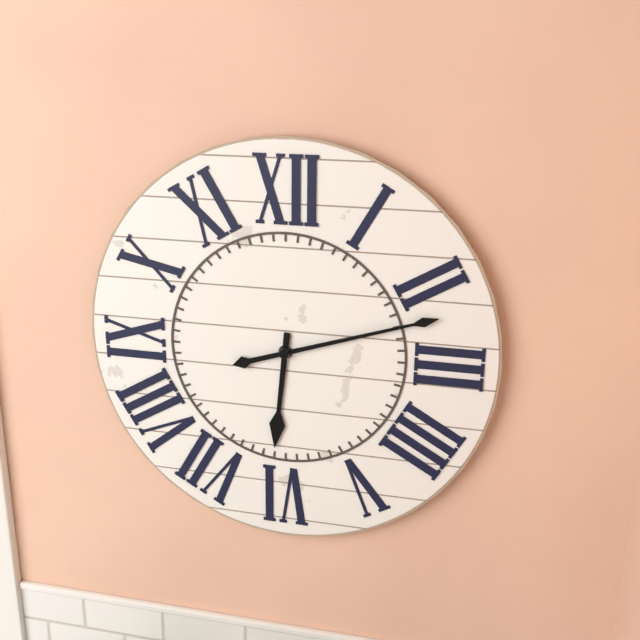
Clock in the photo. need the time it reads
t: 6:12
